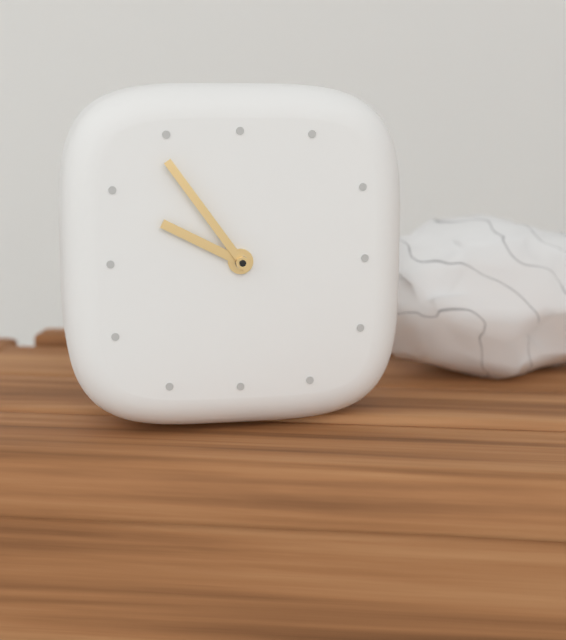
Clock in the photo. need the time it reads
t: 9:54
